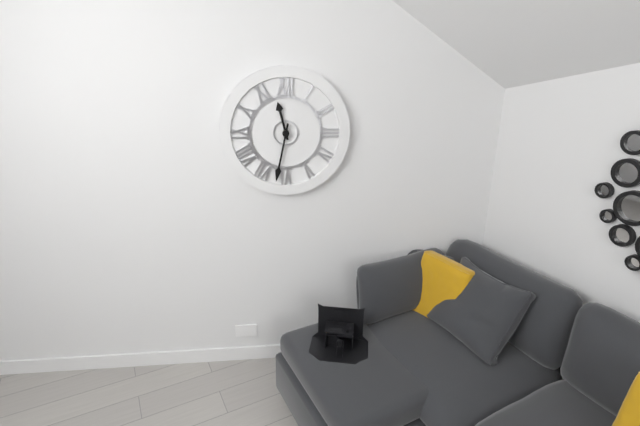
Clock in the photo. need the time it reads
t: 11:32
